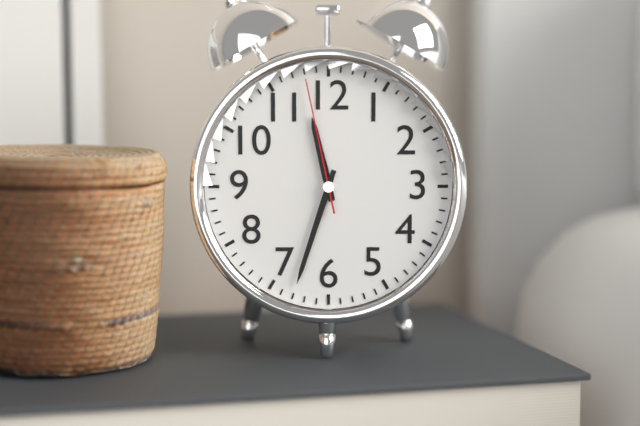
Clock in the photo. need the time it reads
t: 11:33:58
